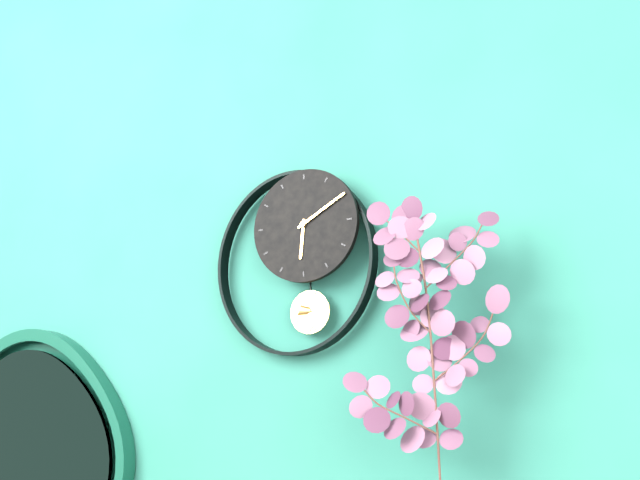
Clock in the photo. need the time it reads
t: 6:10
